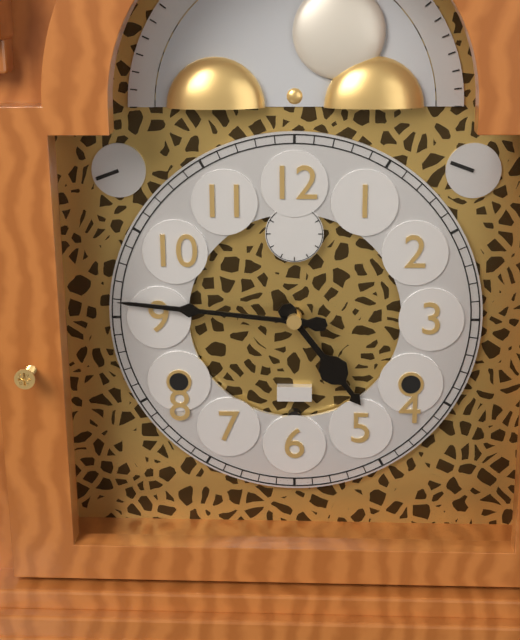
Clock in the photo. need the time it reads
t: 4:46
